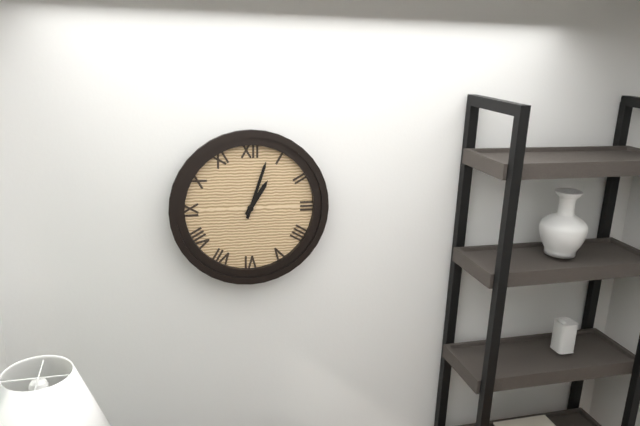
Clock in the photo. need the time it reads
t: 1:03
